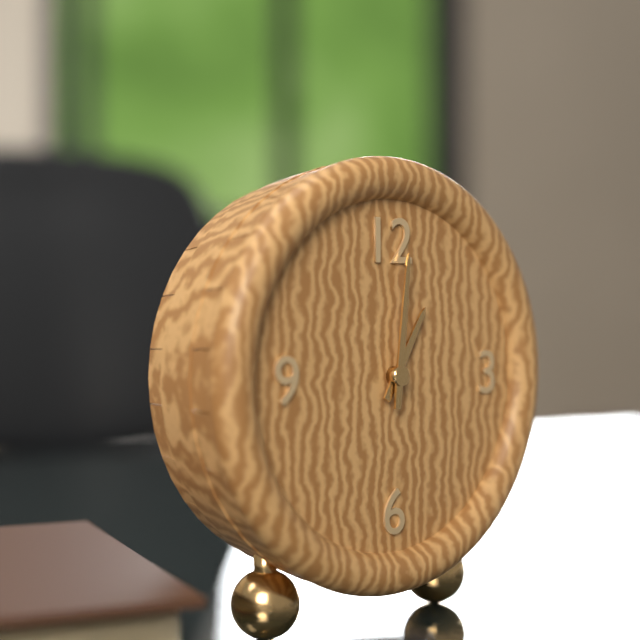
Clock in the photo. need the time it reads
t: 1:01
